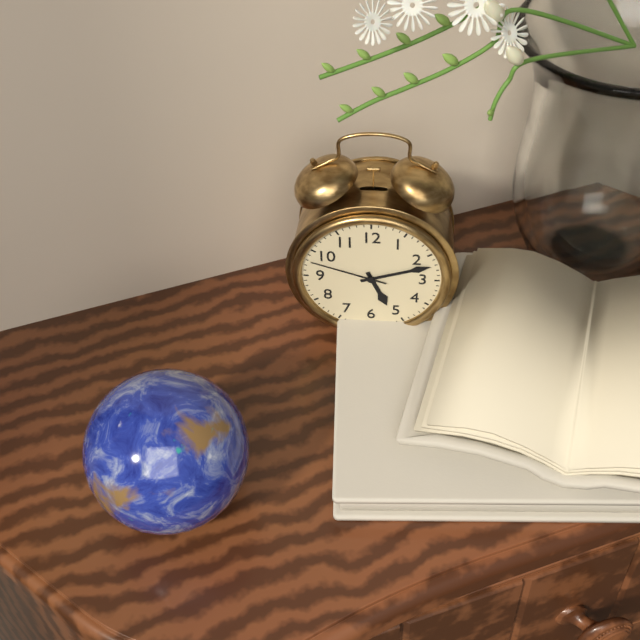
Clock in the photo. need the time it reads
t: 5:12:48
